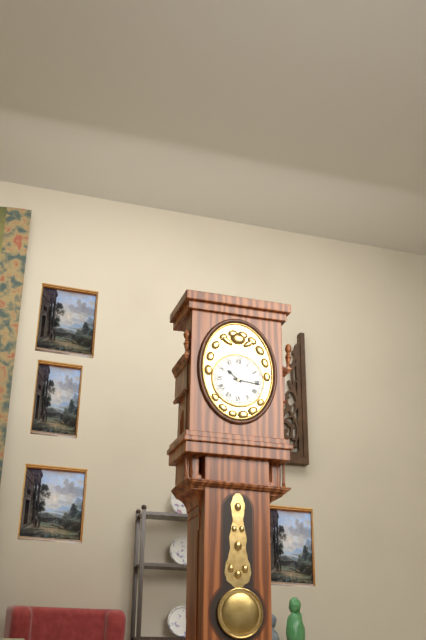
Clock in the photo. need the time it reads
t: 10:16
